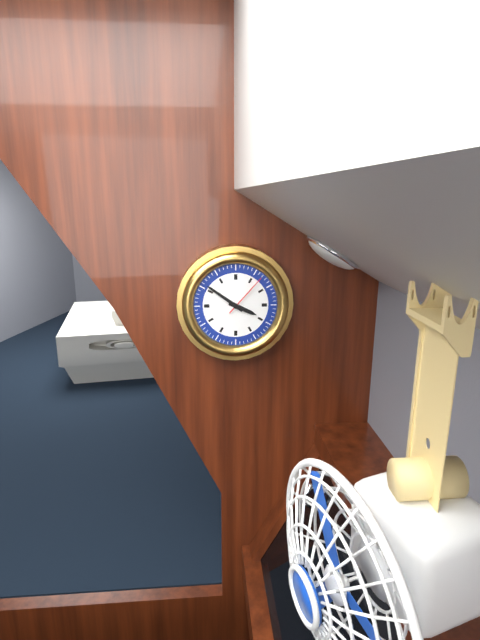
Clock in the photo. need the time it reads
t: 3:51
